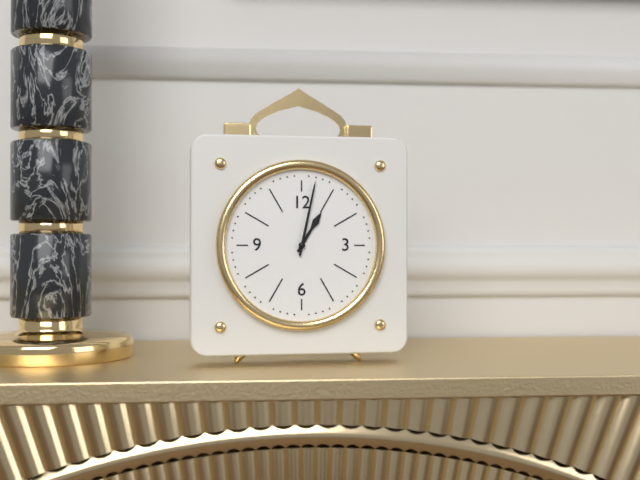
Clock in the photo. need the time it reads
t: 1:02
